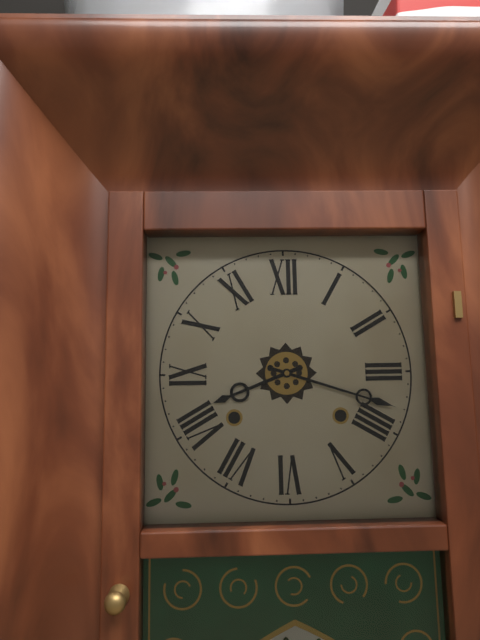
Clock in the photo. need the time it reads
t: 8:18
